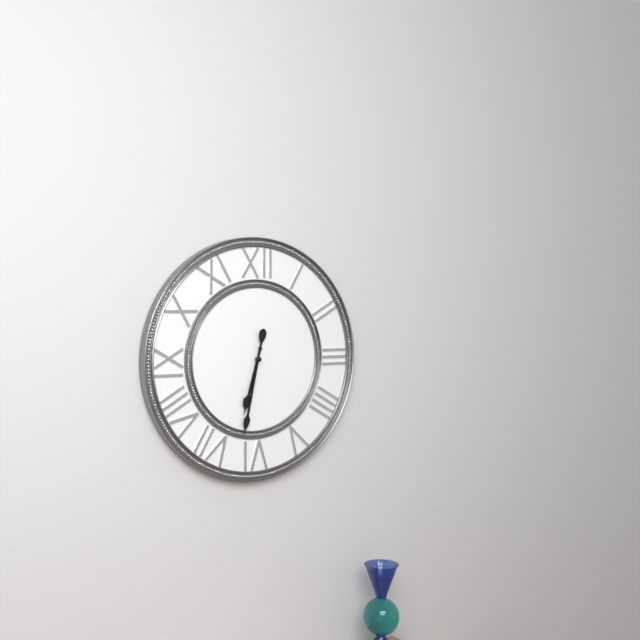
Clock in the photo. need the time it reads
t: 6:32
